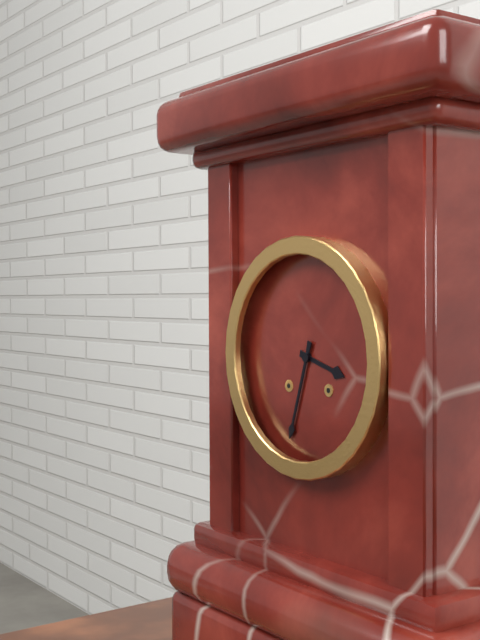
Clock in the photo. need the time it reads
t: 3:33
